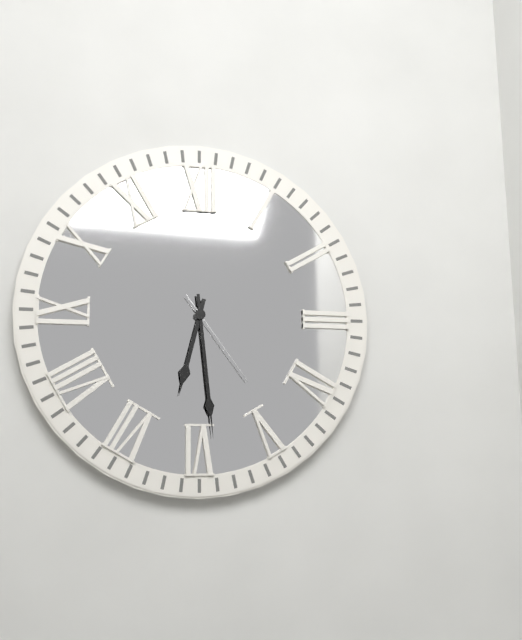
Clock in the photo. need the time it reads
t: 6:29:24
